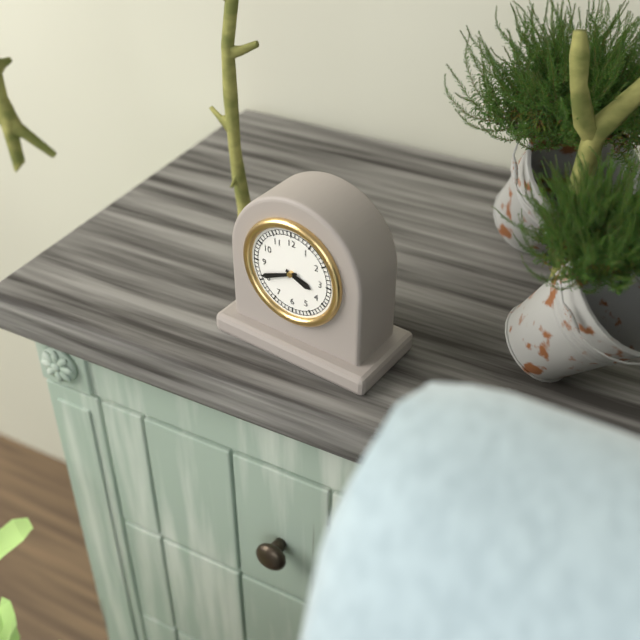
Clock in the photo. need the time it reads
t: 3:41
